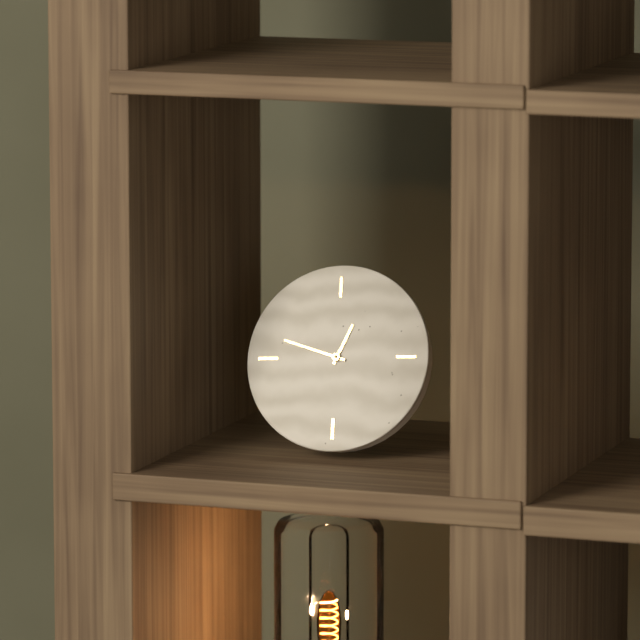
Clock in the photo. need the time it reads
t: 12:48
